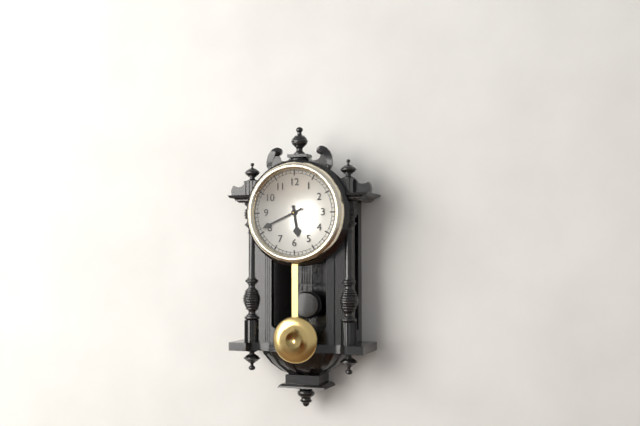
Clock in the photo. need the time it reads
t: 5:41
